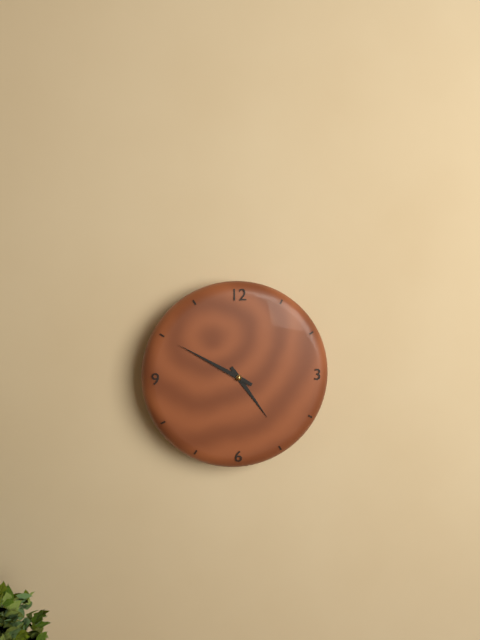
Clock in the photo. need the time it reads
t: 4:50
